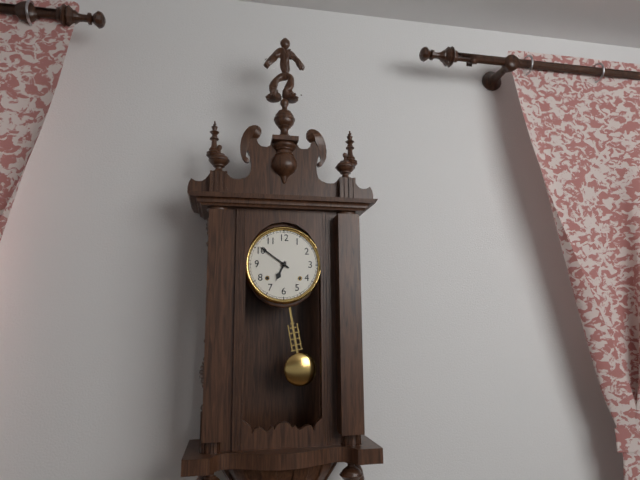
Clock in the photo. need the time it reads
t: 6:51
